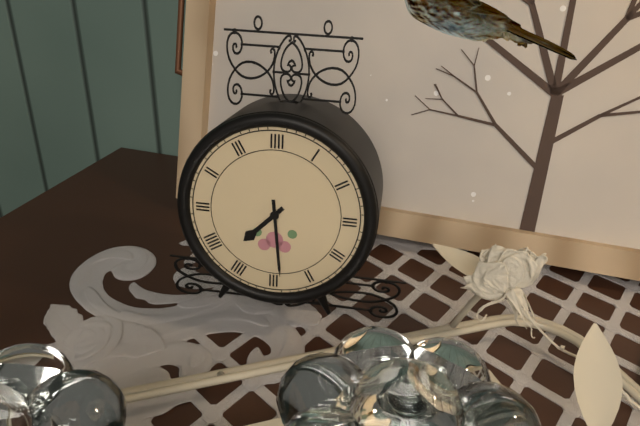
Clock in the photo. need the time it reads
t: 7:29
